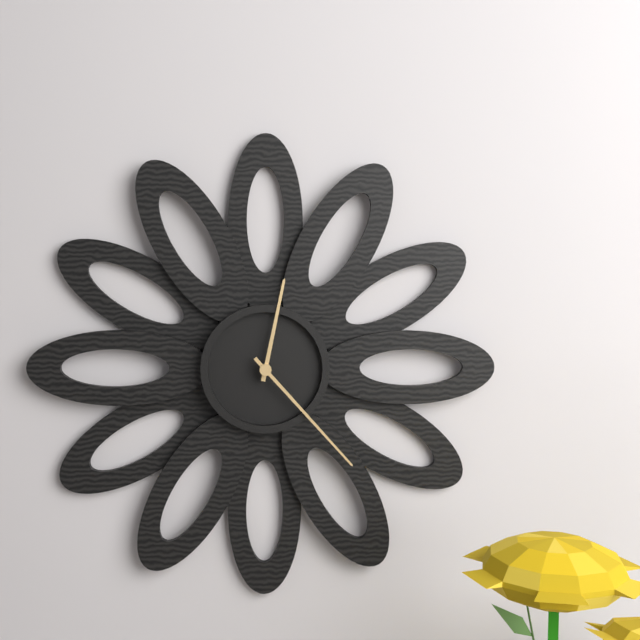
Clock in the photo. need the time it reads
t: 12:23
